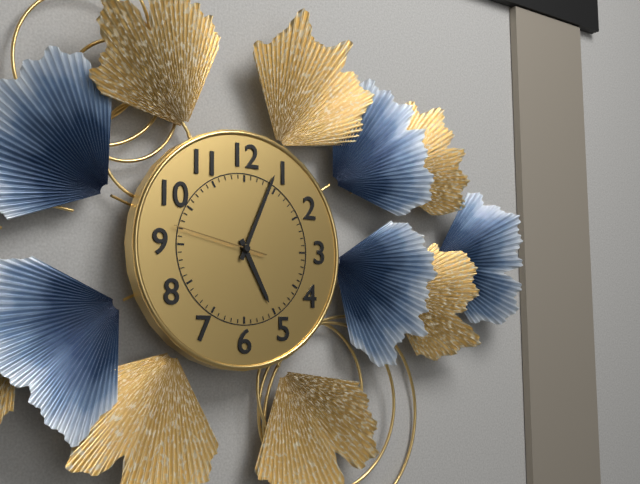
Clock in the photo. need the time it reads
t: 5:04:47
